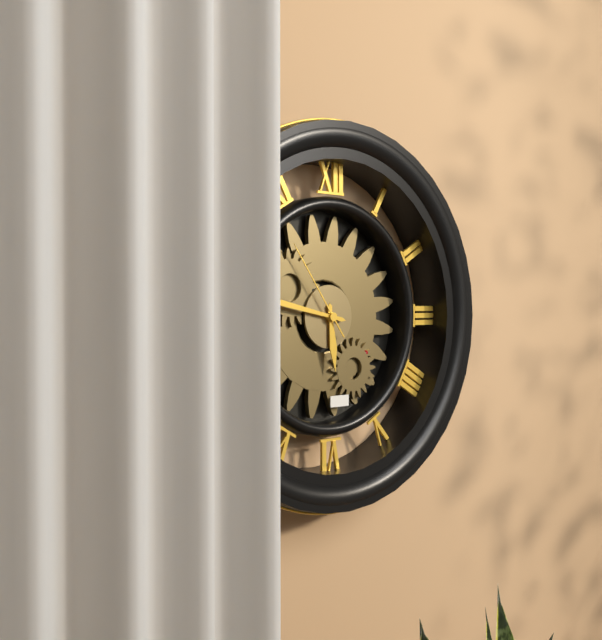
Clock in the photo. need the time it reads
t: 5:47:54
